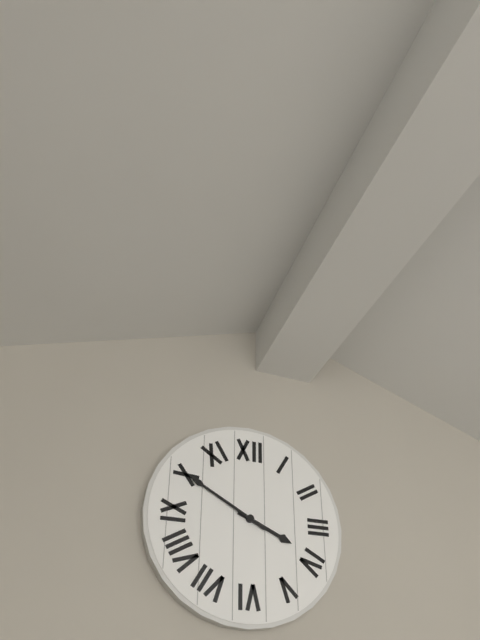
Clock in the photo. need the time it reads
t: 3:50
